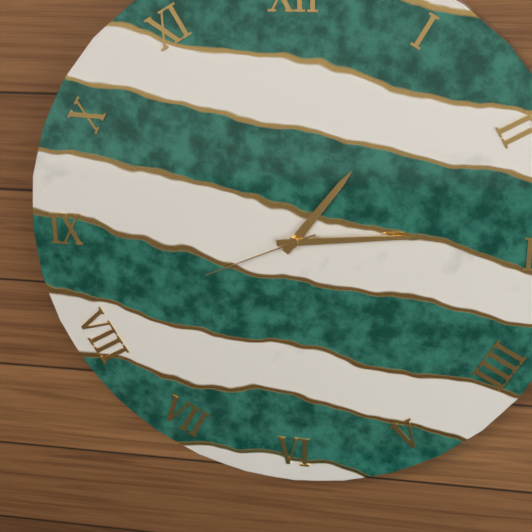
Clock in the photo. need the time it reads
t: 1:14:41
